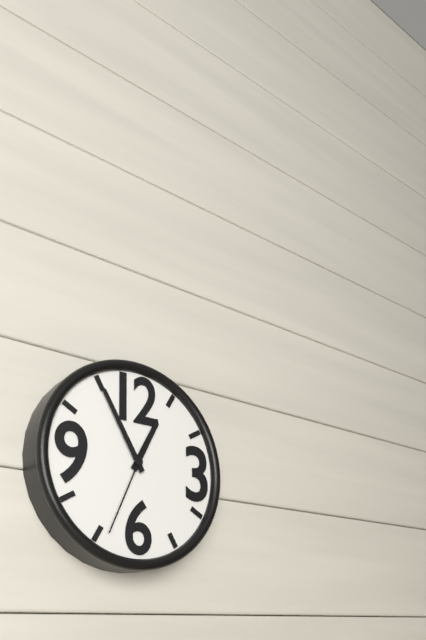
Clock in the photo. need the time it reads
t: 12:55:34
